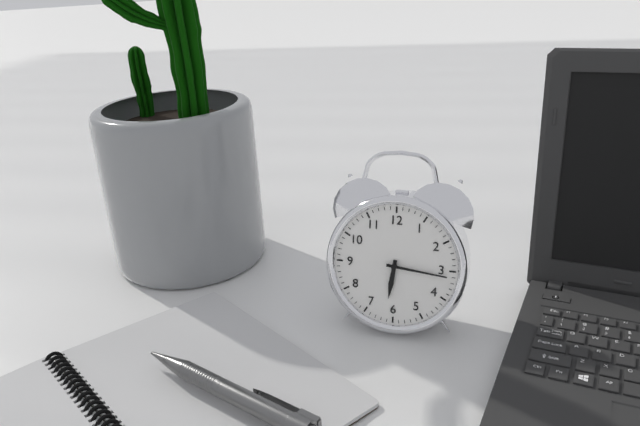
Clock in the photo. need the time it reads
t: 6:16
